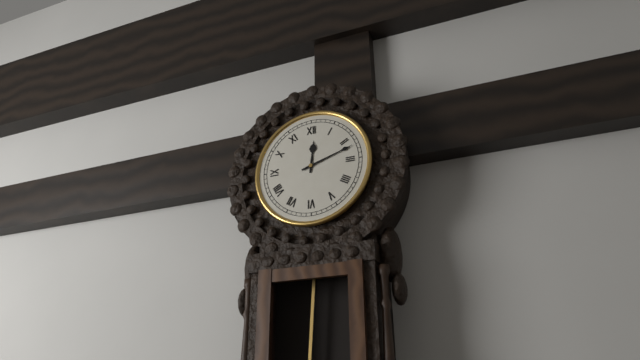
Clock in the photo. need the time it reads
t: 12:12
